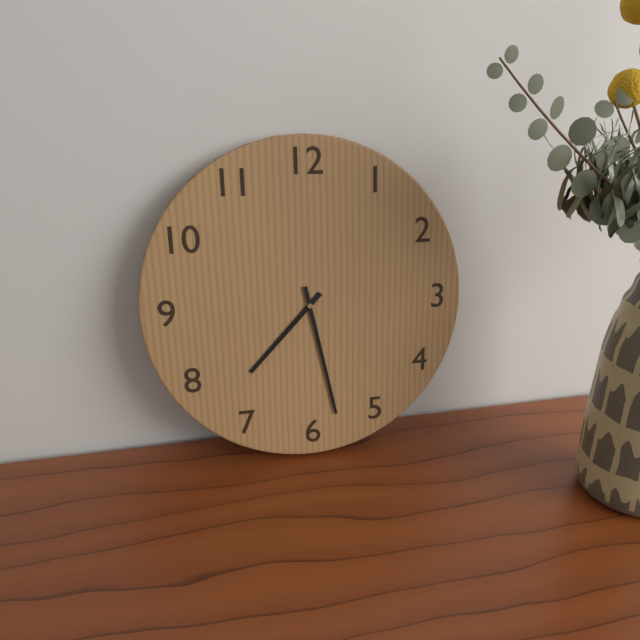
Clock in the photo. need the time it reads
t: 7:28
